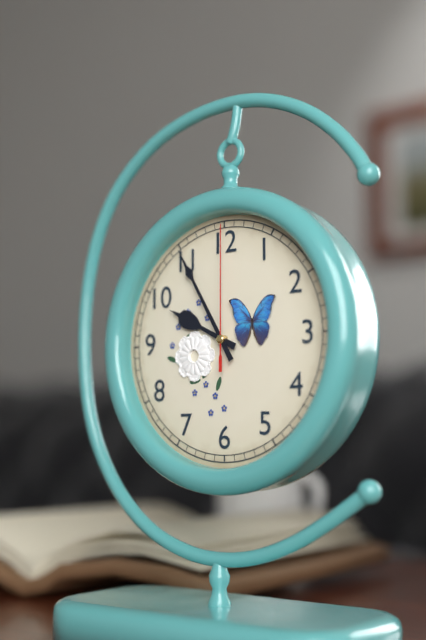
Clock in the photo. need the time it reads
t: 9:55:00
